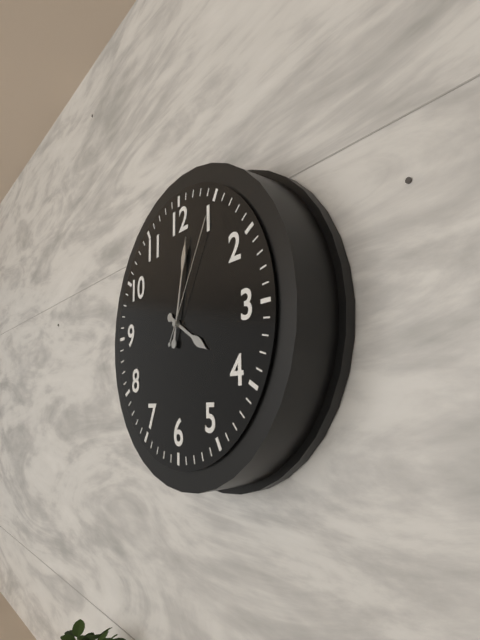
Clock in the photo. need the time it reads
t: 4:02:05
